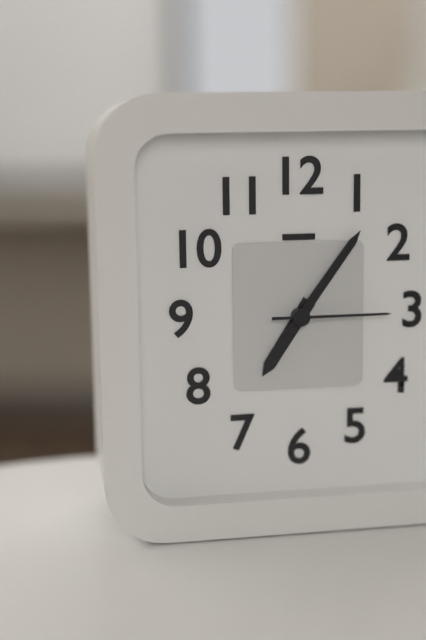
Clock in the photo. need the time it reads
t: 7:06:15
